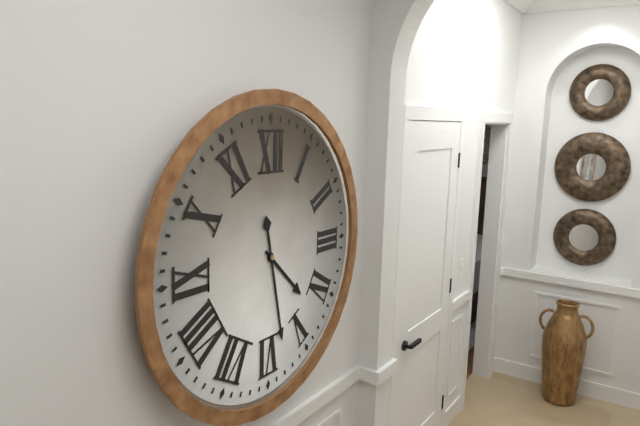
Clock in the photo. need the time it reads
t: 4:28
